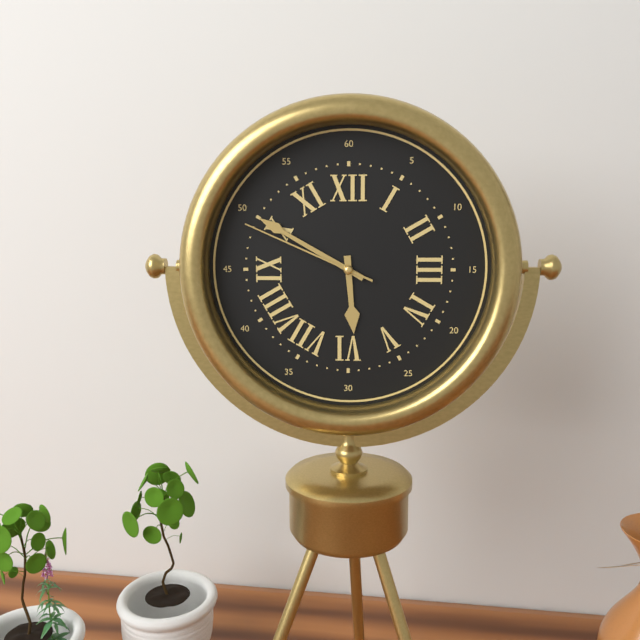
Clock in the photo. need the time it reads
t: 5:50:49
